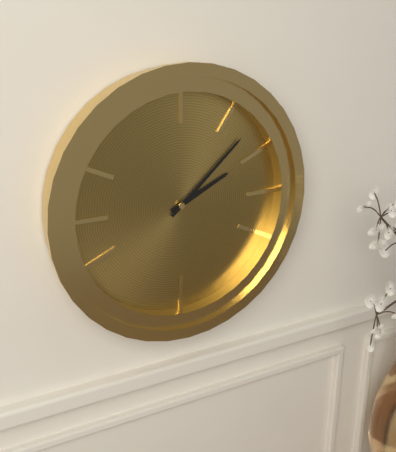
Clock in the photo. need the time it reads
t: 2:08
